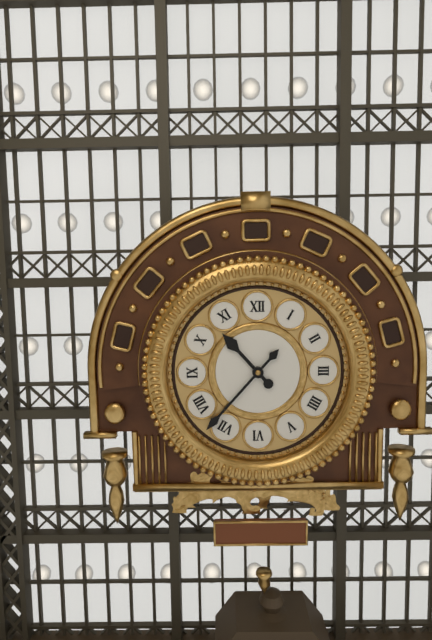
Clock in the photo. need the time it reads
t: 10:37
